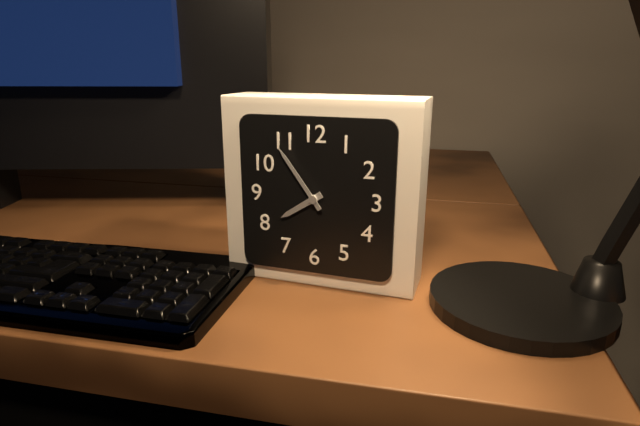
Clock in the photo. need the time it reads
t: 7:54
